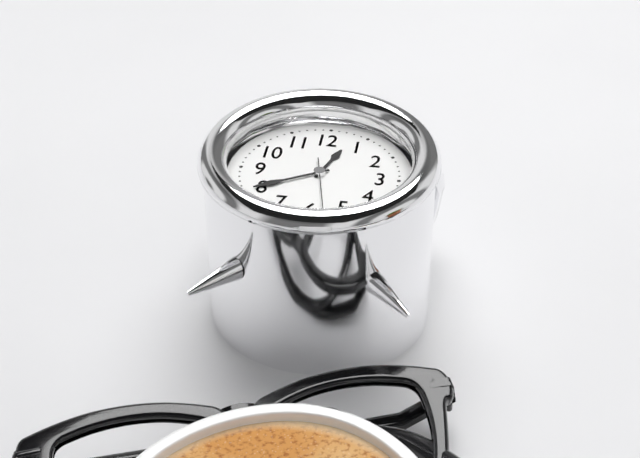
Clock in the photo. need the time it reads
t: 12:40:28
